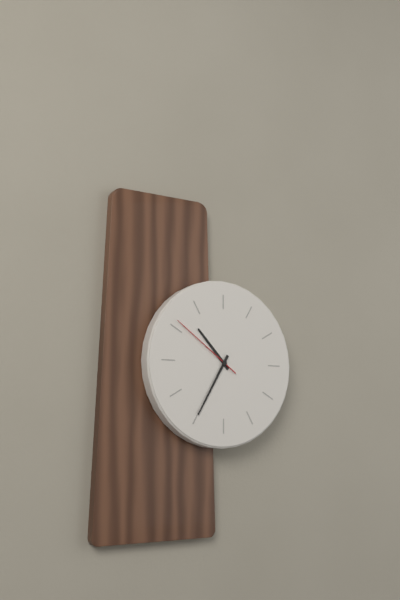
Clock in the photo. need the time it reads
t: 10:35:51
